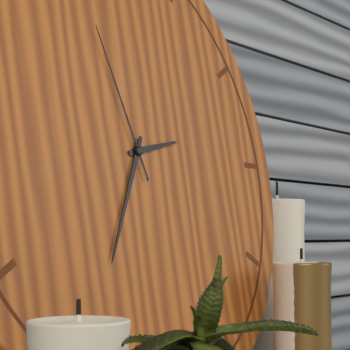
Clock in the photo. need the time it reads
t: 2:35:57
